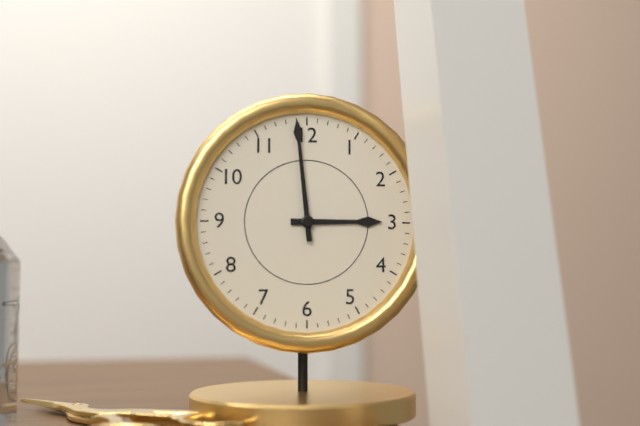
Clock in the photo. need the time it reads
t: 2:59
